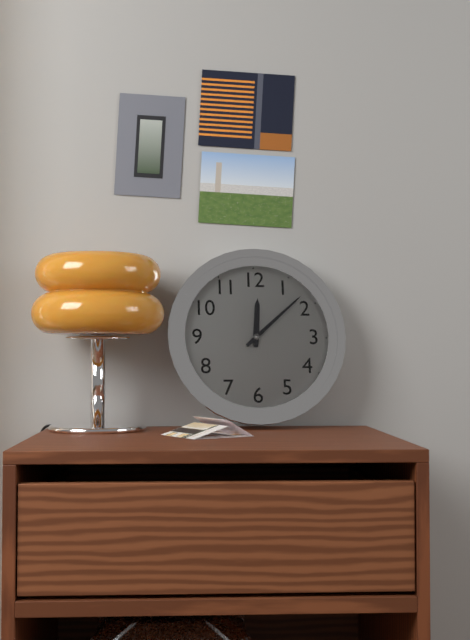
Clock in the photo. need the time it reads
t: 12:08
